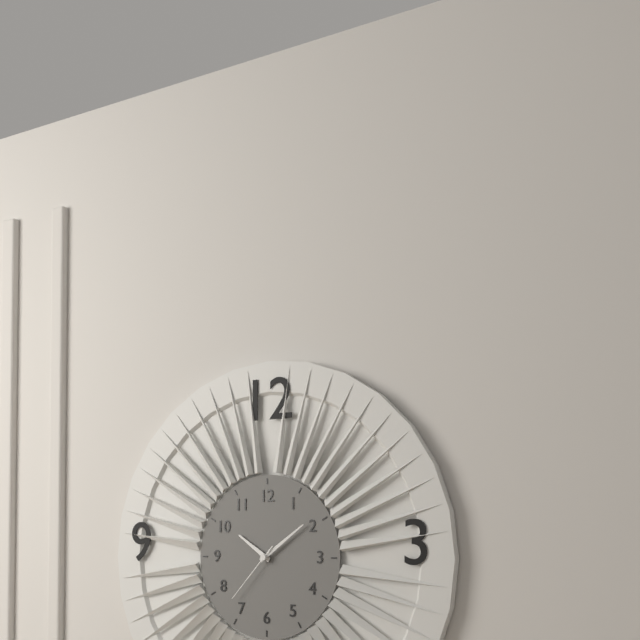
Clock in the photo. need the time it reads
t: 10:09:37
